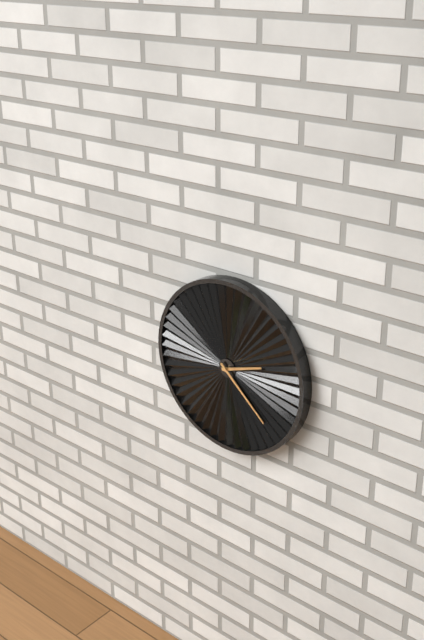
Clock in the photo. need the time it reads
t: 2:22
